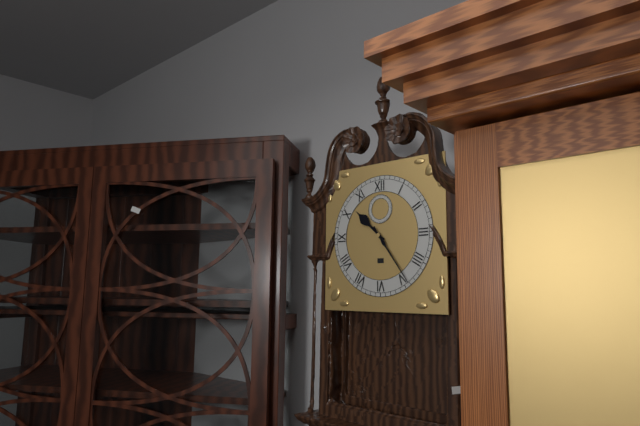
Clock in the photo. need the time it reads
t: 10:24
